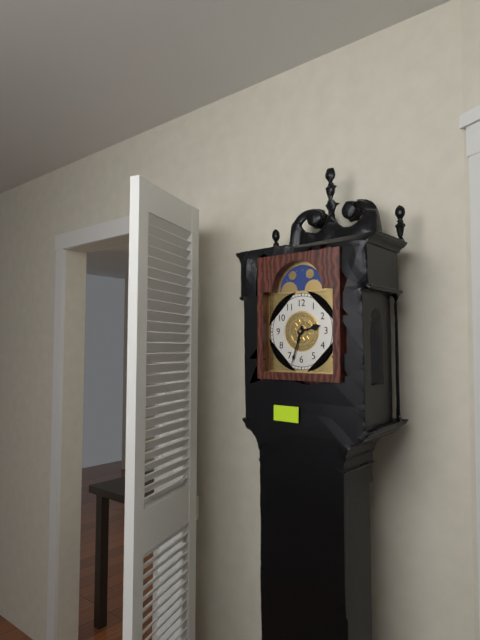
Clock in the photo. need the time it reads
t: 2:33
